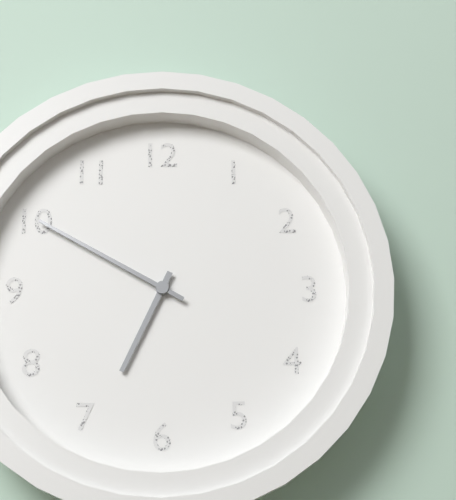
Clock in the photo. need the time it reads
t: 6:50
